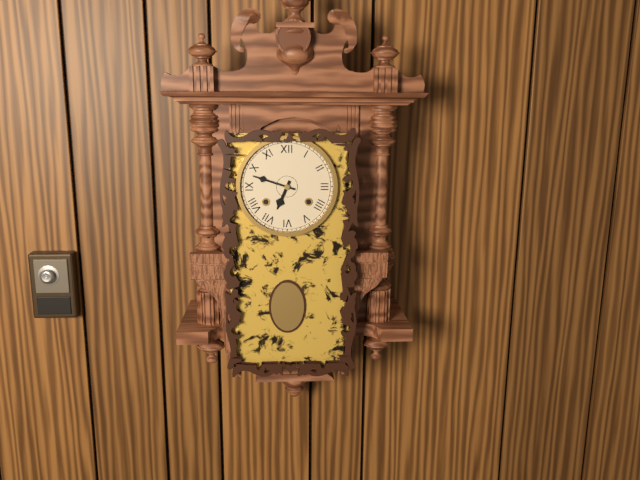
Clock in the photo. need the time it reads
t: 6:48
